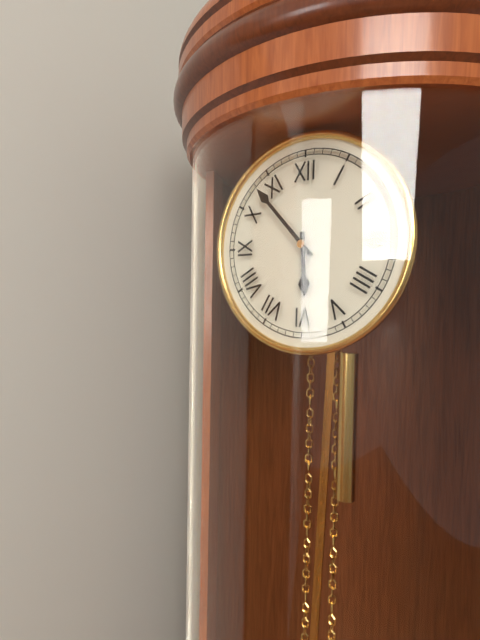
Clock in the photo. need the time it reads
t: 5:53
